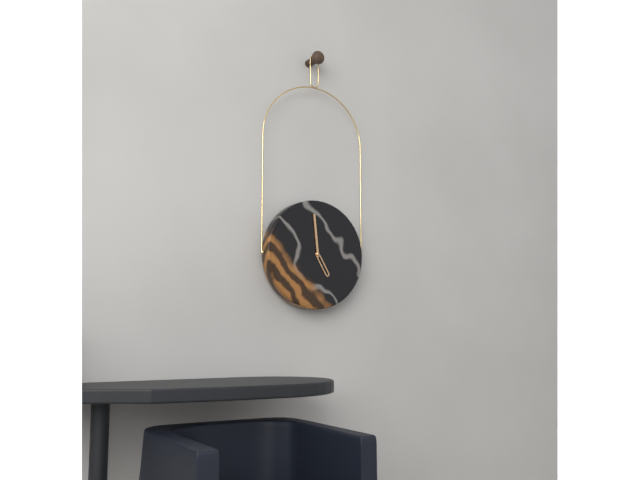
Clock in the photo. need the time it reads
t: 4:59
